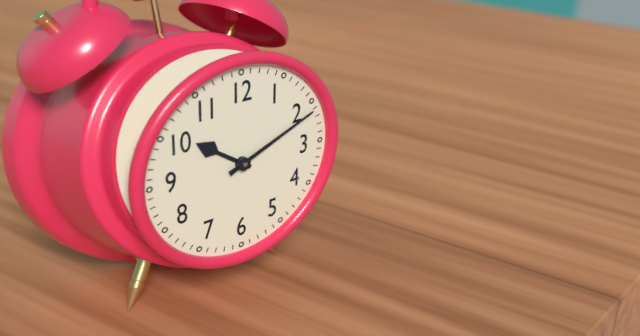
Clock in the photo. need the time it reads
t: 10:11
